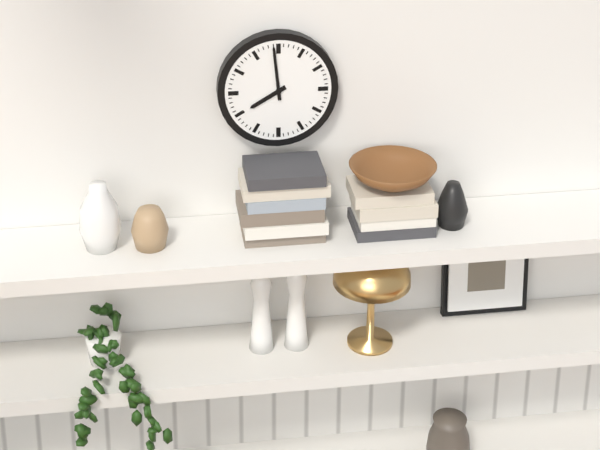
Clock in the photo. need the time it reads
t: 7:59
